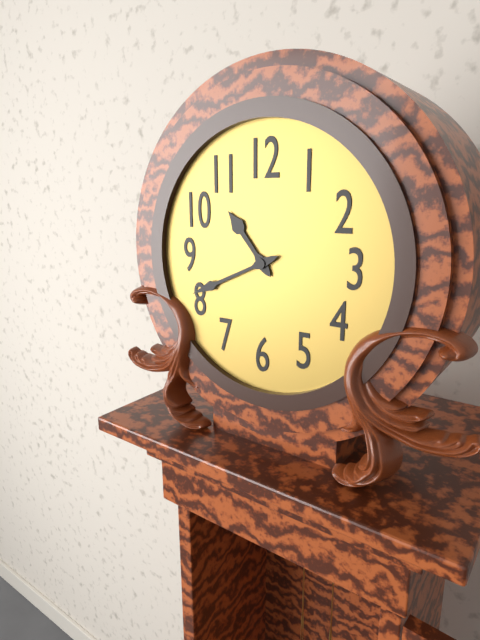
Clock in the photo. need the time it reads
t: 10:41
